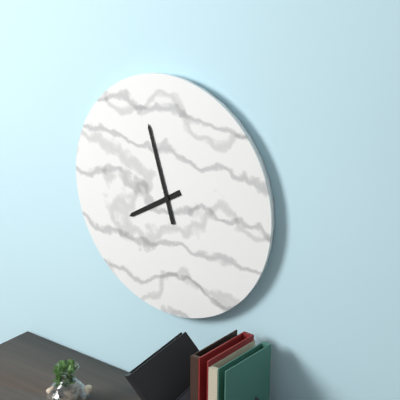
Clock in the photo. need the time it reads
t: 7:57
